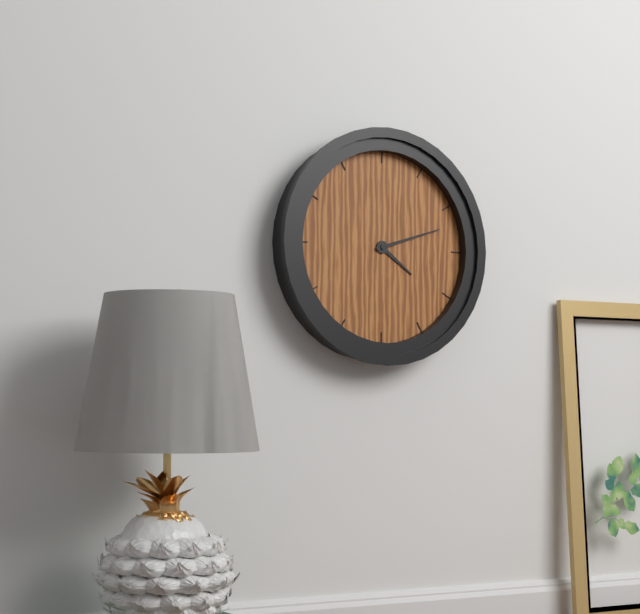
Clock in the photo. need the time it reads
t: 4:12
